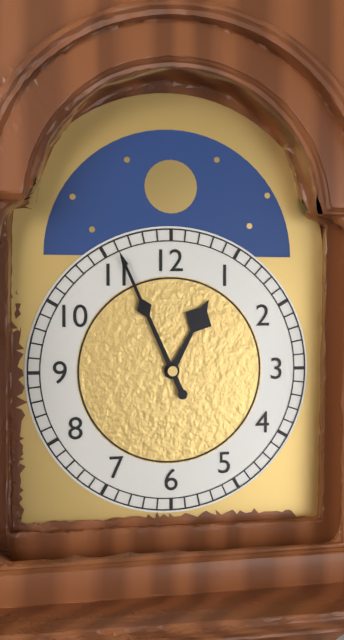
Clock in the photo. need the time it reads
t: 12:56
